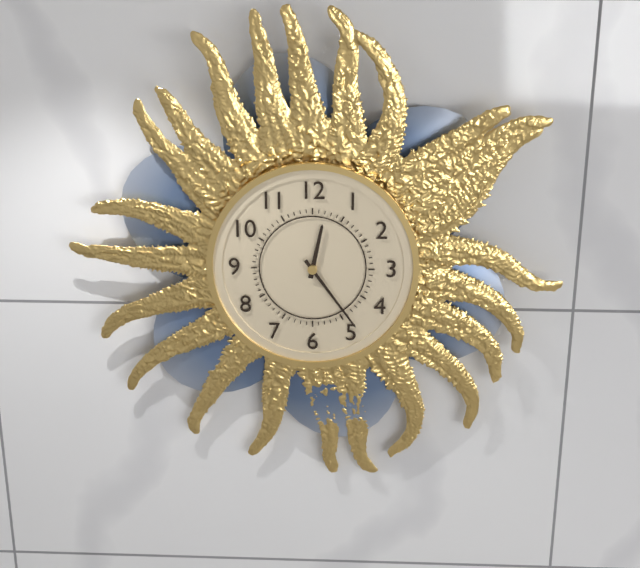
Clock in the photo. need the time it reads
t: 12:24
